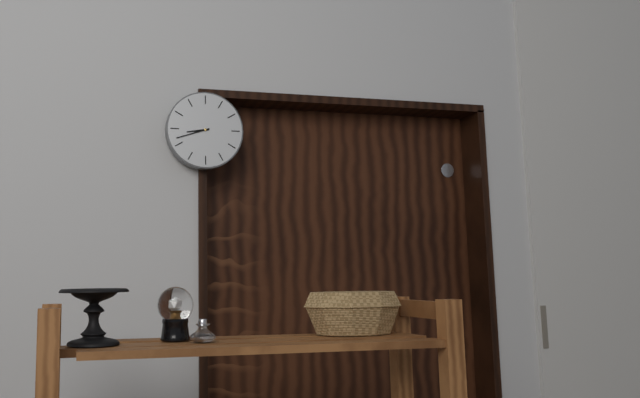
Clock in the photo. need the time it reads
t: 8:42
